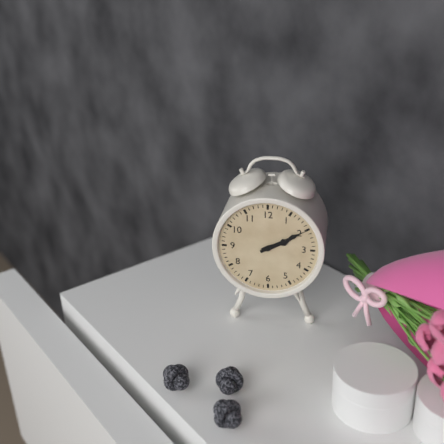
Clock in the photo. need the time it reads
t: 2:10
